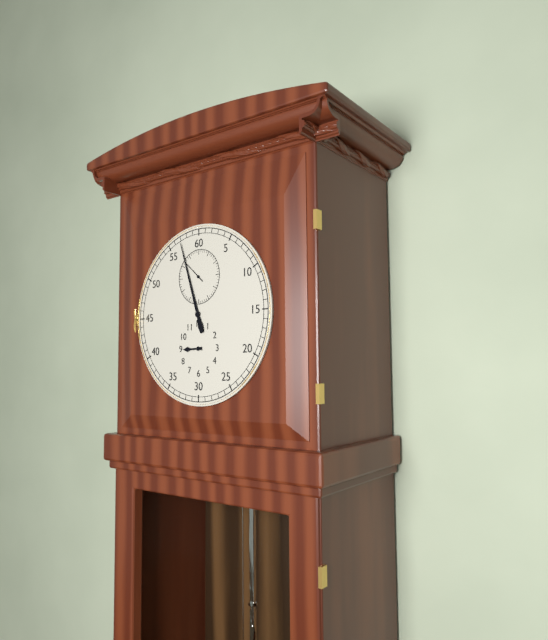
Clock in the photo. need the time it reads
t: 8:57
